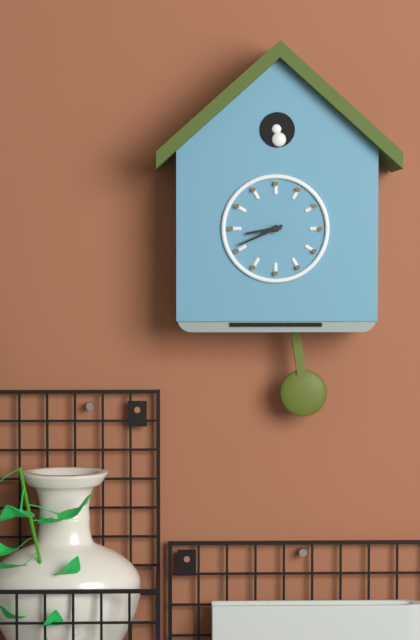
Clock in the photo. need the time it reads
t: 8:41
